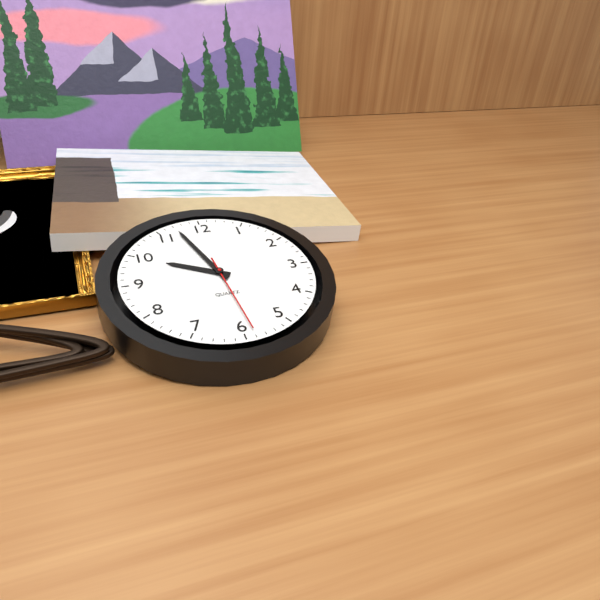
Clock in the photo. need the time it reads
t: 9:57:29
